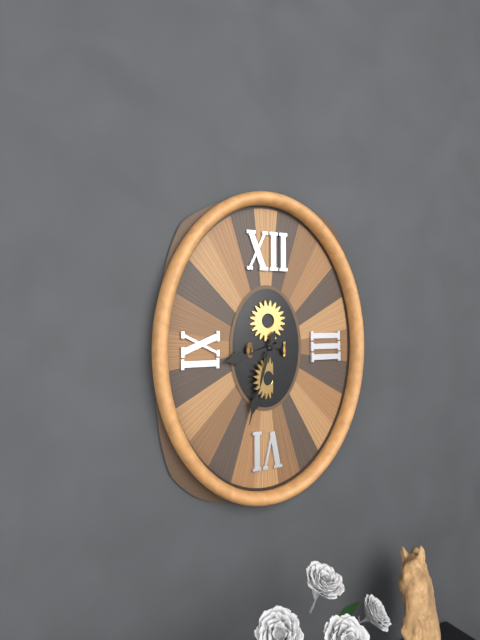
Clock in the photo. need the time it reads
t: 8:33
